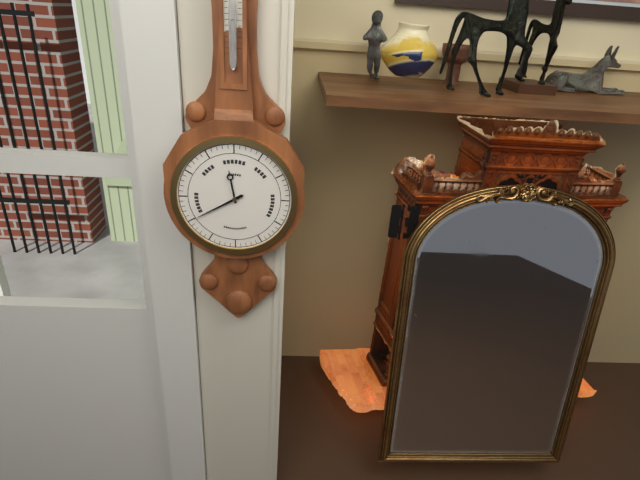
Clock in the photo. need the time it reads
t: 11:40
